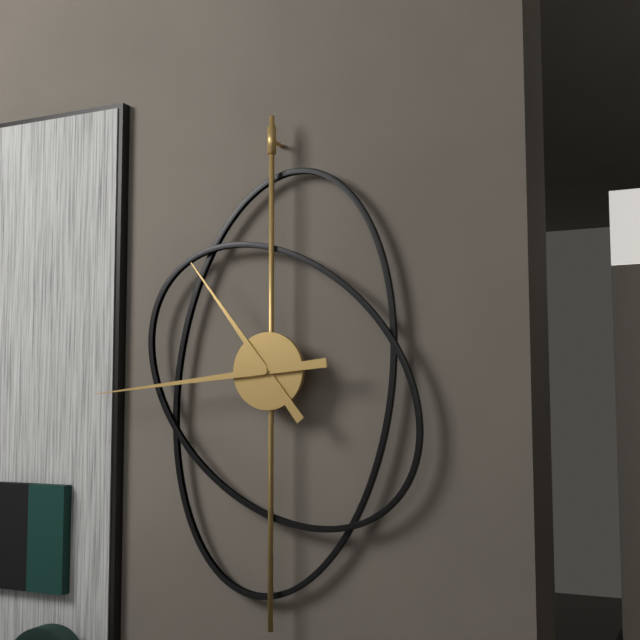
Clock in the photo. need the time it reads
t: 10:44
